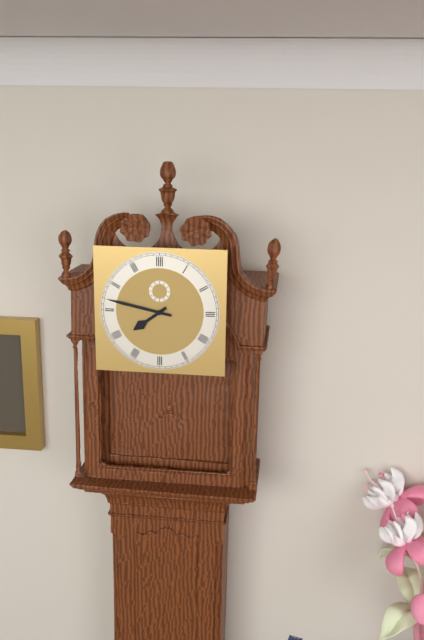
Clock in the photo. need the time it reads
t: 7:47
